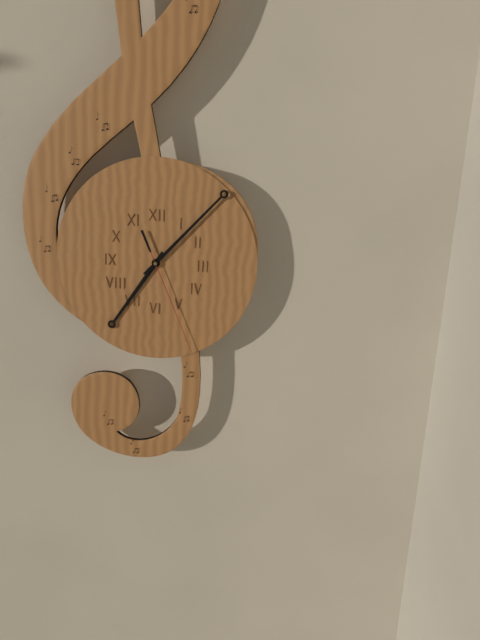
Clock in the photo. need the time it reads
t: 7:07:26
